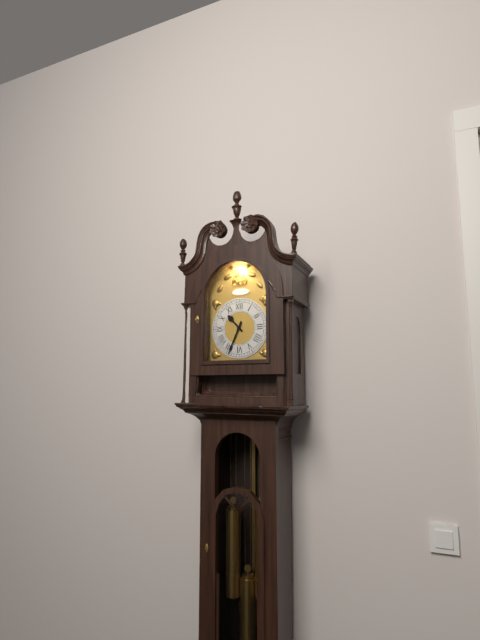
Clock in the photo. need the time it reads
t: 10:34
